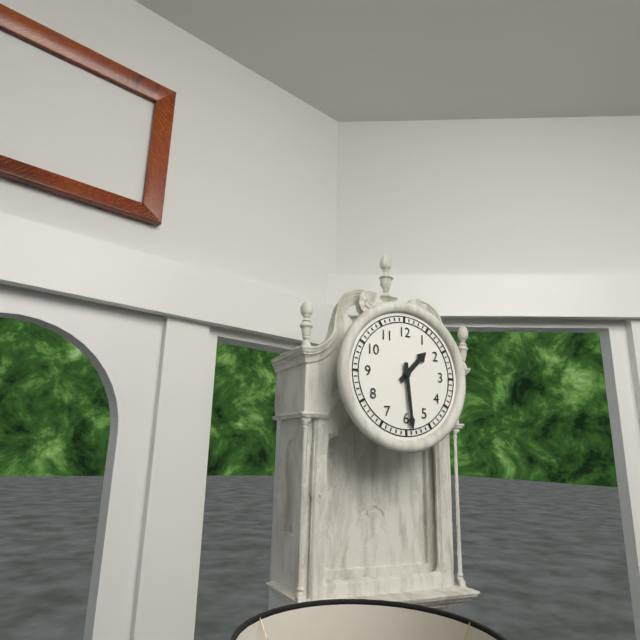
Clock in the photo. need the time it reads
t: 1:29
